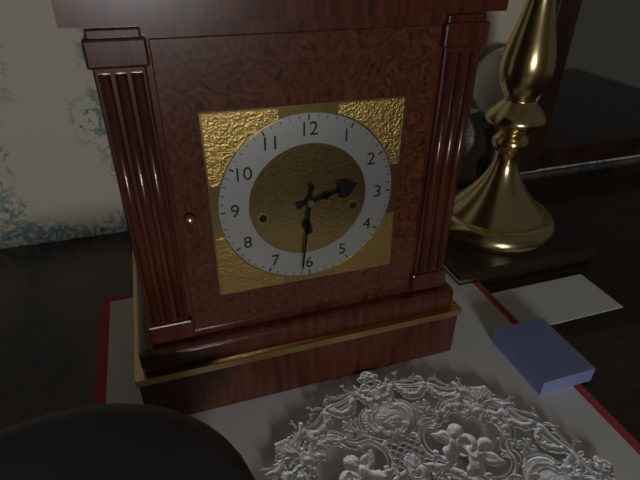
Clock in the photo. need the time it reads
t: 2:31
